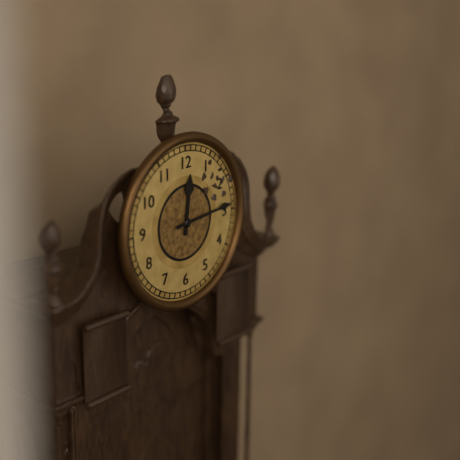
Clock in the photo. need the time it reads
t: 12:14
